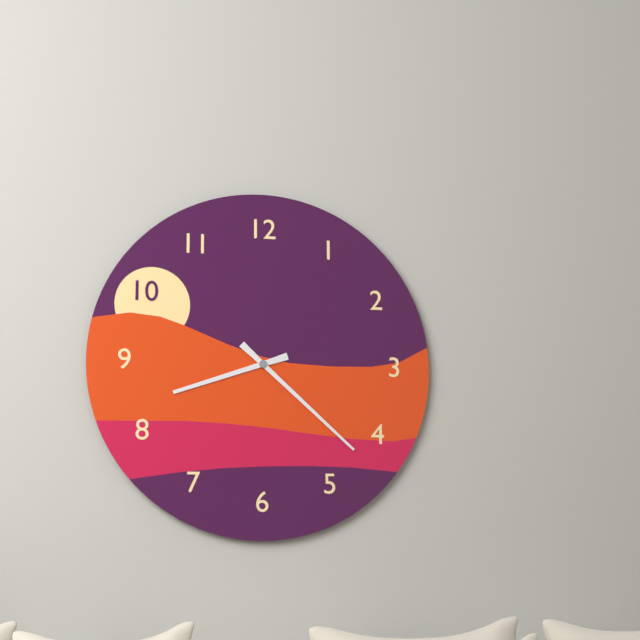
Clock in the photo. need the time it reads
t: 8:22
